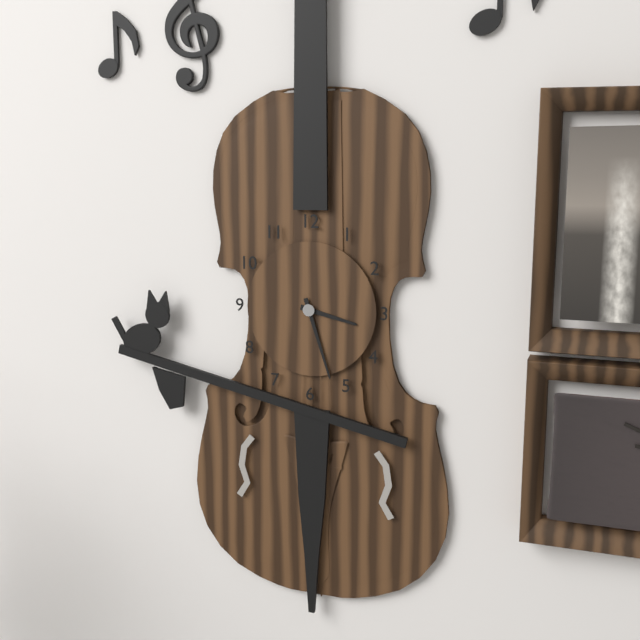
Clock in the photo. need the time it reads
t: 3:27
